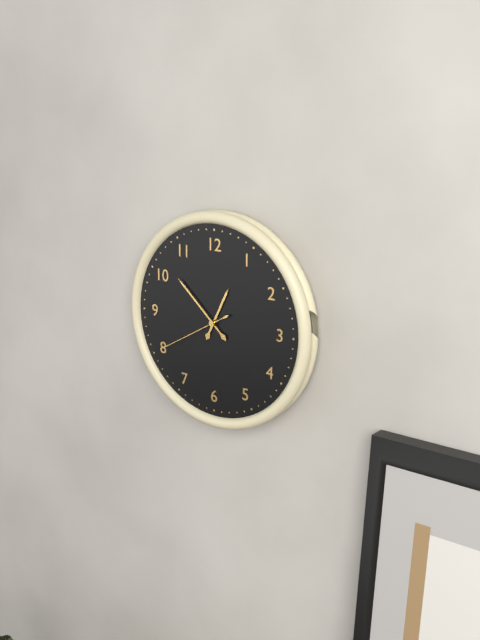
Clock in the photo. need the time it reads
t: 12:52:40
